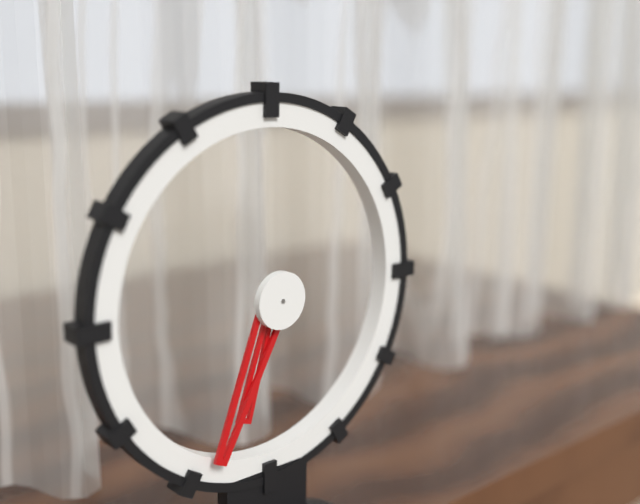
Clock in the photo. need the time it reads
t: 6:34
